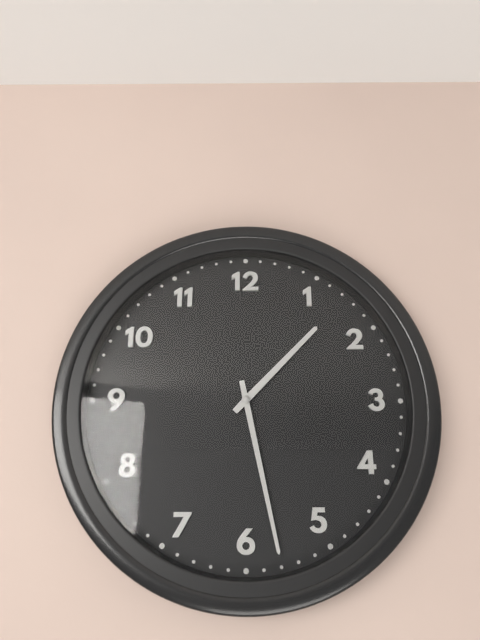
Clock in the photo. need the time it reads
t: 1:28
